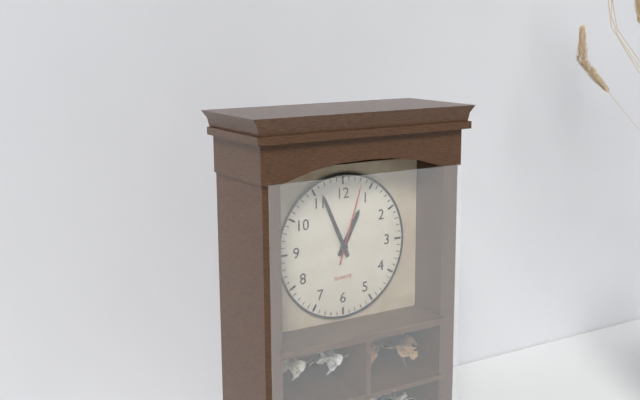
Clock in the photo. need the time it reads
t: 12:56:03
